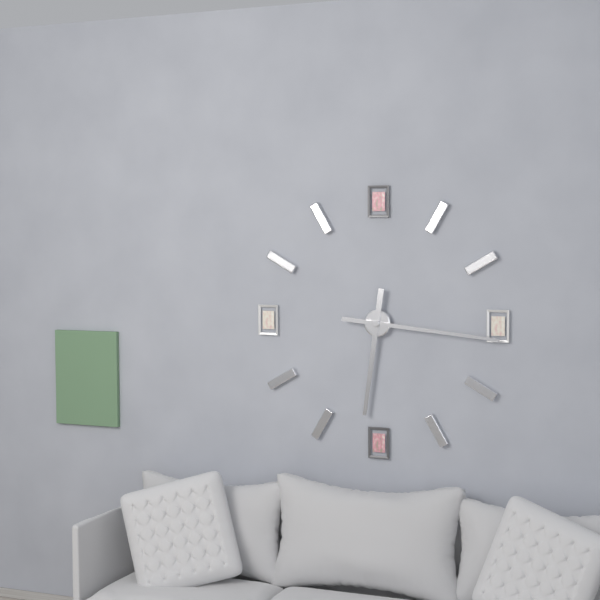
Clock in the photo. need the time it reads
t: 6:16
